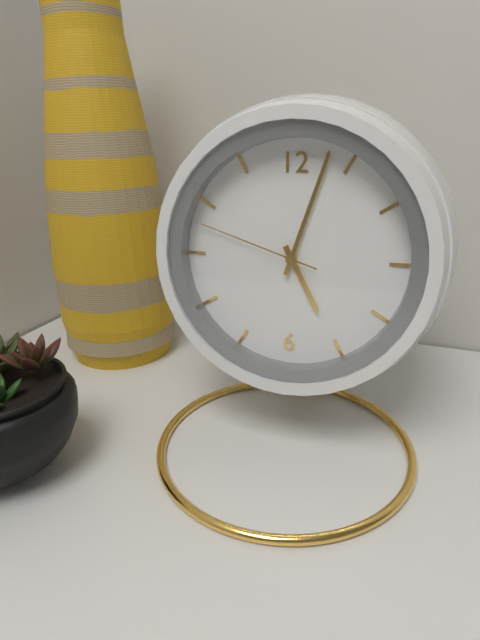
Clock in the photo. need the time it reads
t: 5:03:48
